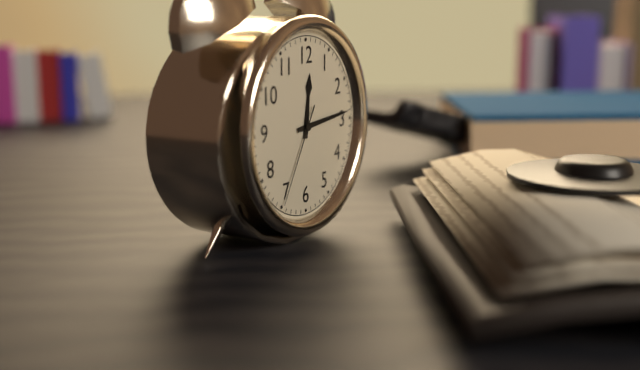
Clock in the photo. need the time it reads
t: 12:14:35
